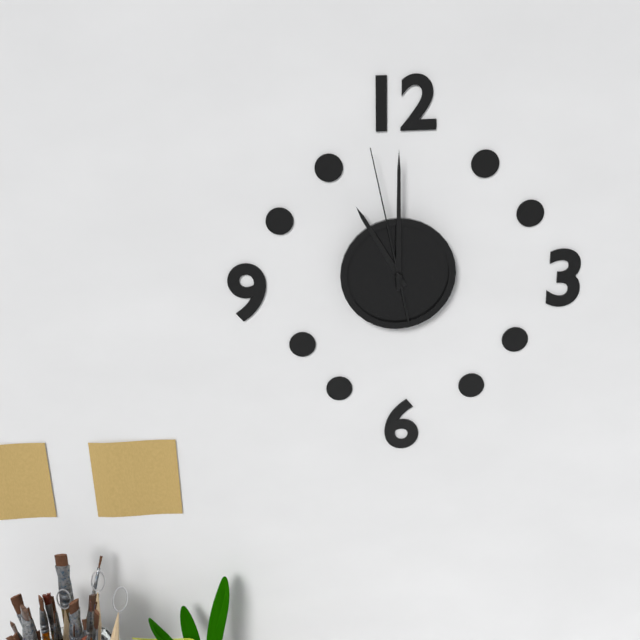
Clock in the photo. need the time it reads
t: 11:00:58
